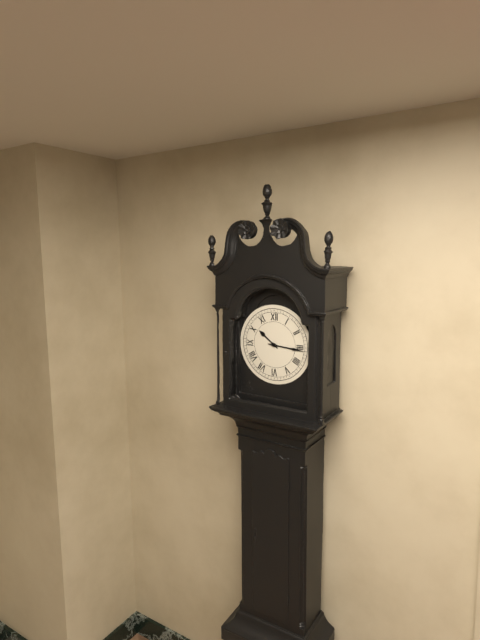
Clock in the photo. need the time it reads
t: 10:16
